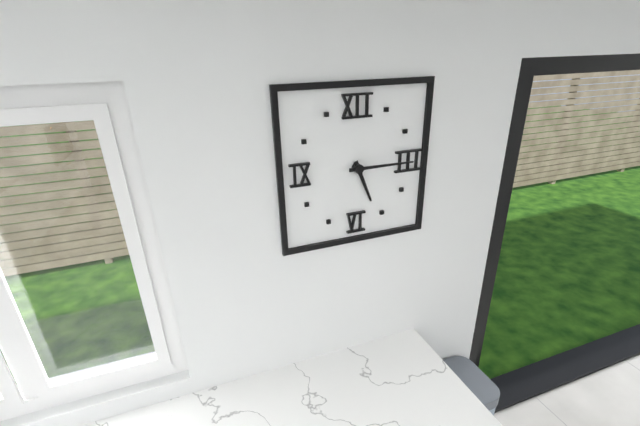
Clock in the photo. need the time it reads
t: 5:15
